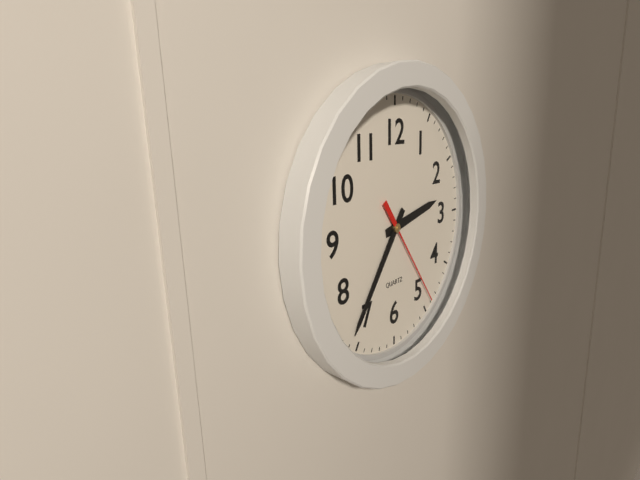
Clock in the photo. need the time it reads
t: 2:36:24
